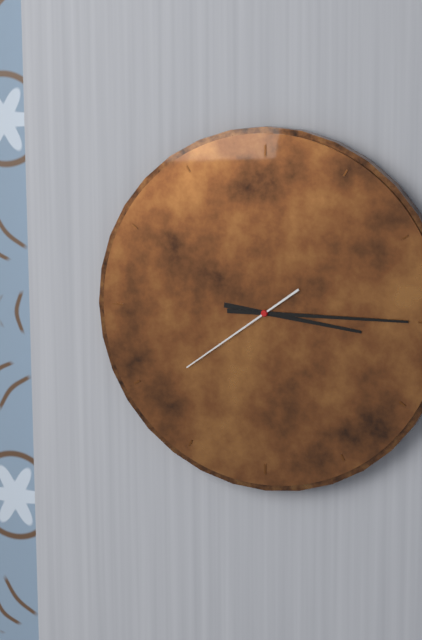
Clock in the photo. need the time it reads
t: 3:15:39
